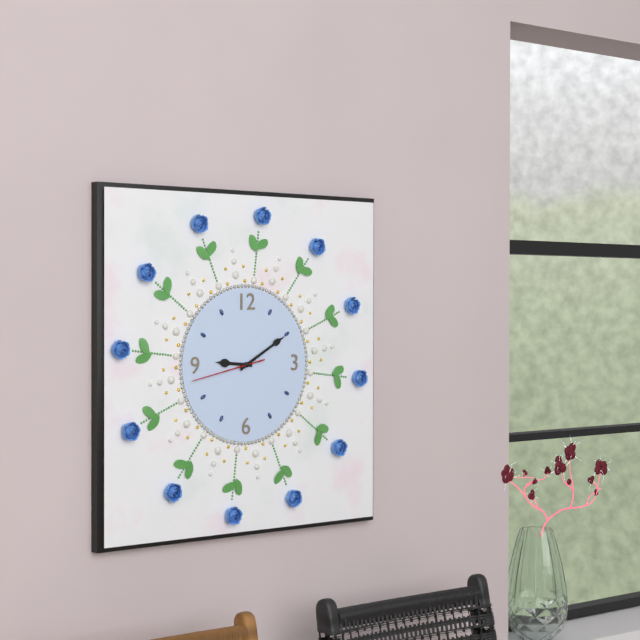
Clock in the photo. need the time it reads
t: 9:10:43
